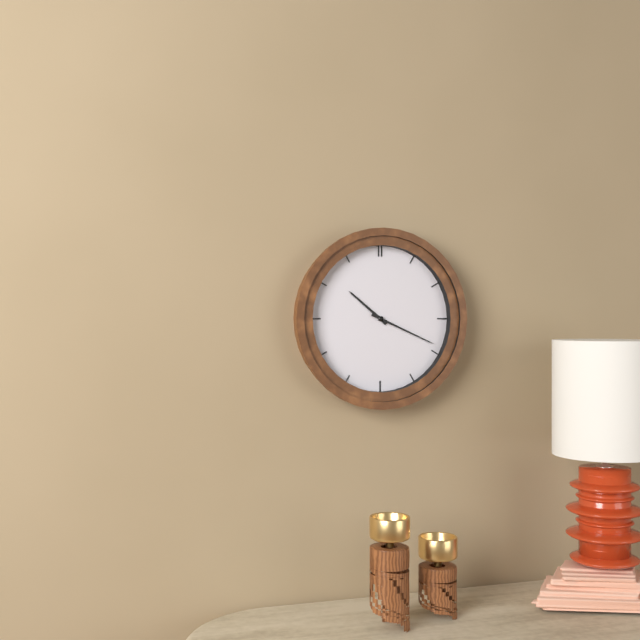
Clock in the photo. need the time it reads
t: 10:19
